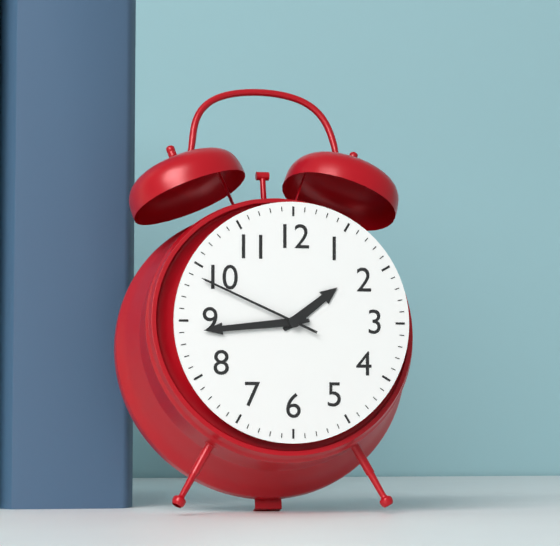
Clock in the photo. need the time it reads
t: 1:44:49
